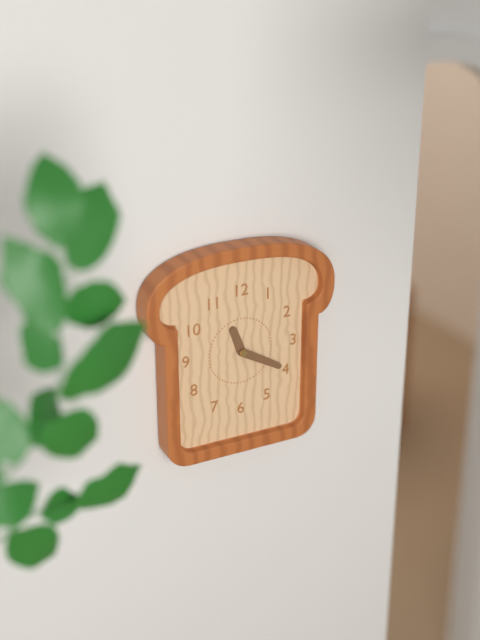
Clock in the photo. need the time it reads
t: 11:20
